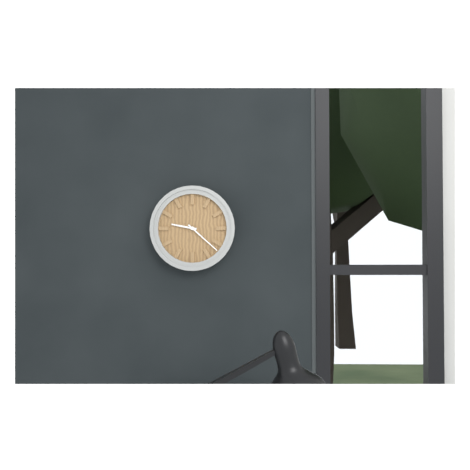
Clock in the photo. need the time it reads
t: 9:22
